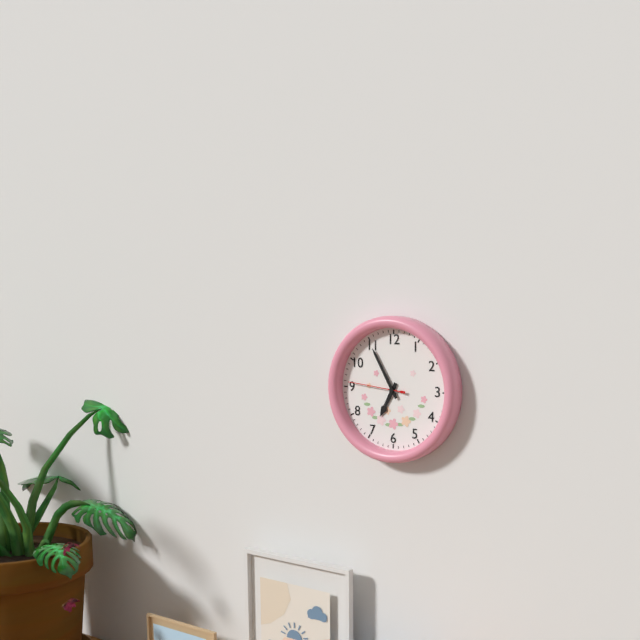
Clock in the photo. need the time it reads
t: 6:55:46
